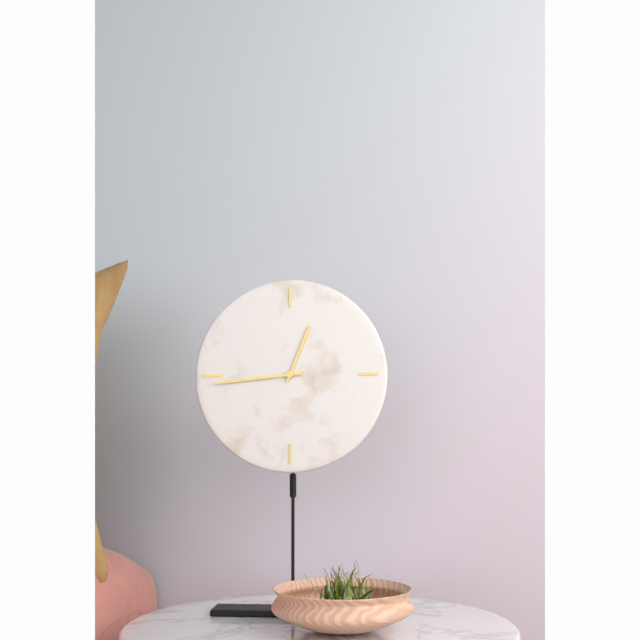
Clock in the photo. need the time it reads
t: 12:44
